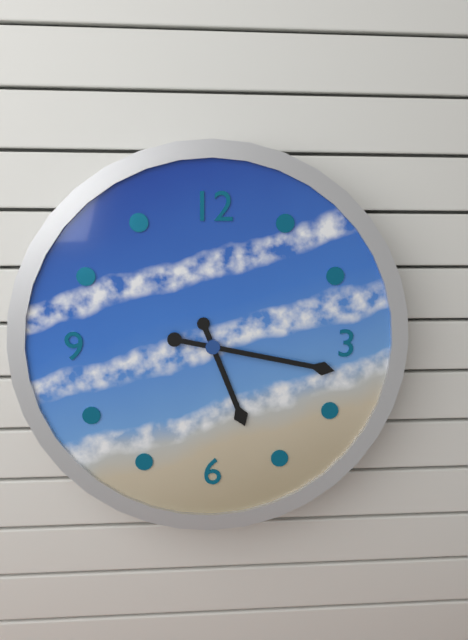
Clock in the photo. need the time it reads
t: 5:17
